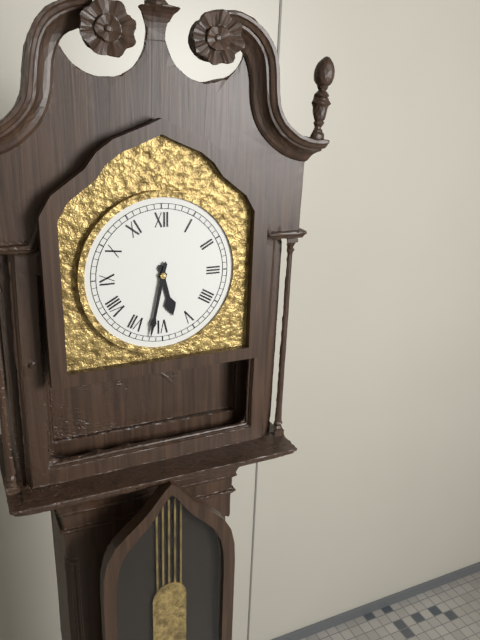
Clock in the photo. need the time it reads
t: 5:32
